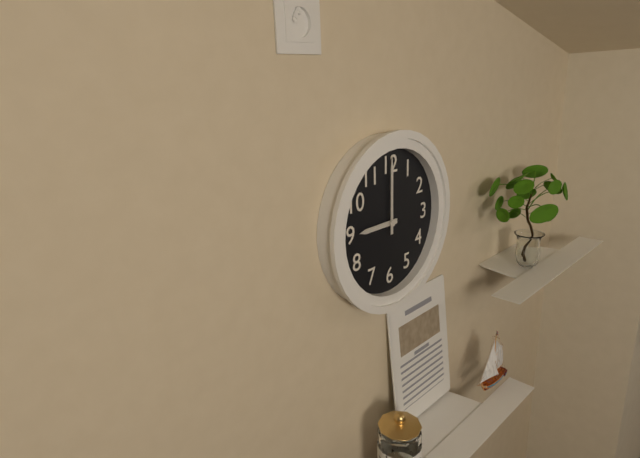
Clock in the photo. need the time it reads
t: 9:00
